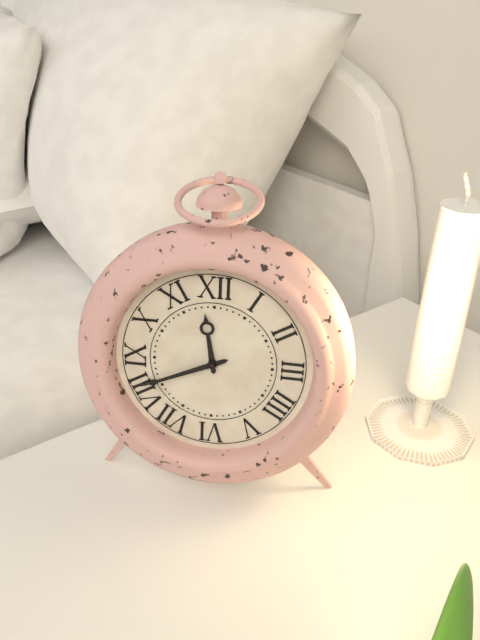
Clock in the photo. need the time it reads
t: 11:41
